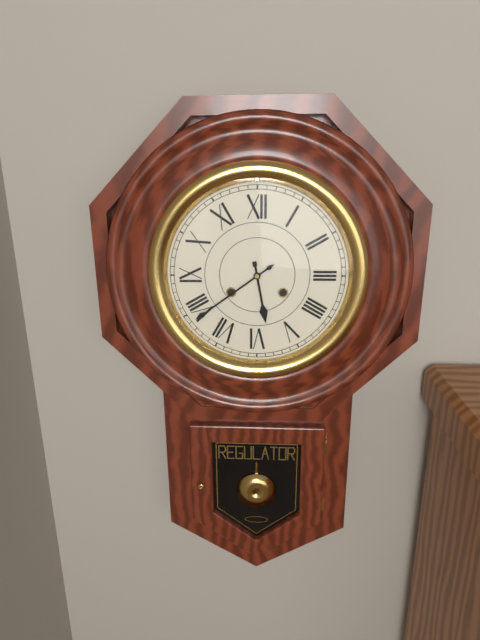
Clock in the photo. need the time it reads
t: 5:39
